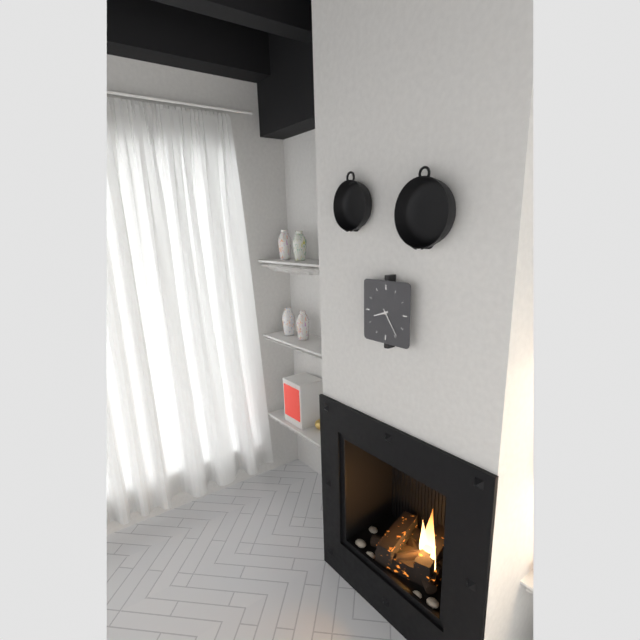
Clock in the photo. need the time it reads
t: 8:24
